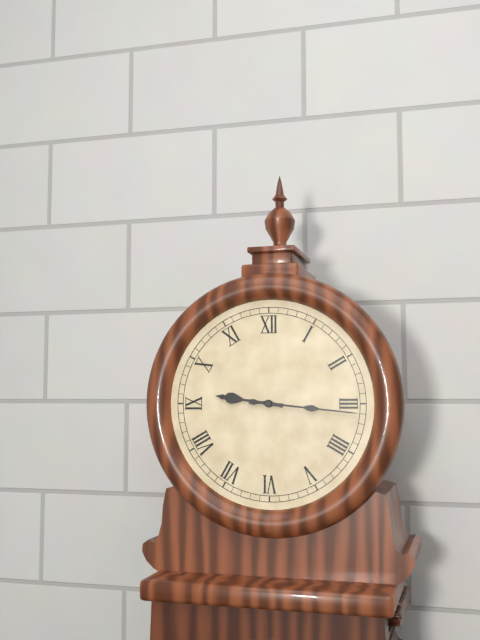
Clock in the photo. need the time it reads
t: 9:16
